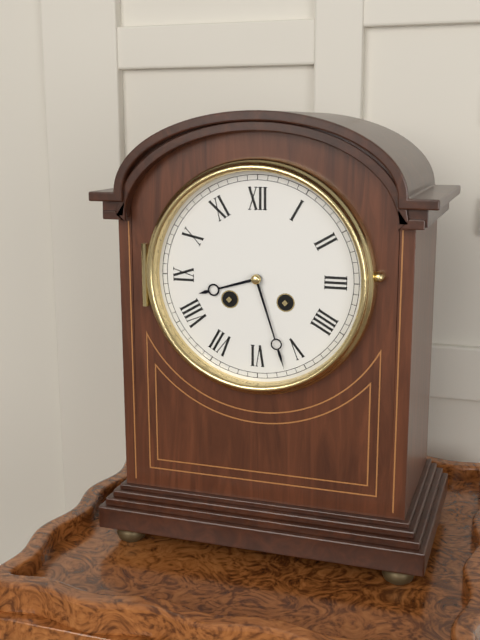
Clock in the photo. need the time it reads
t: 8:27
